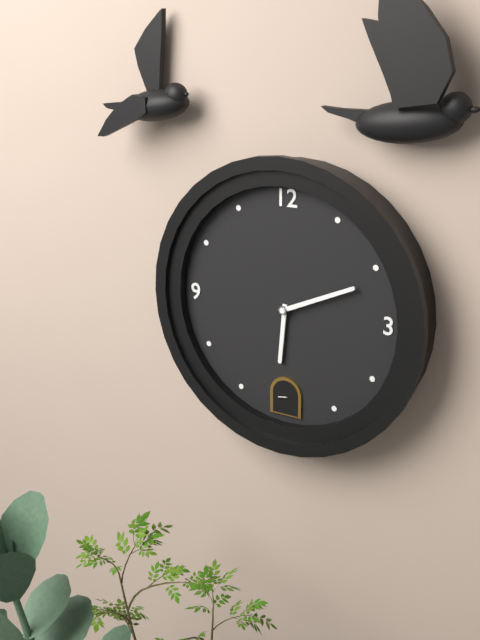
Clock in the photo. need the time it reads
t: 6:11
